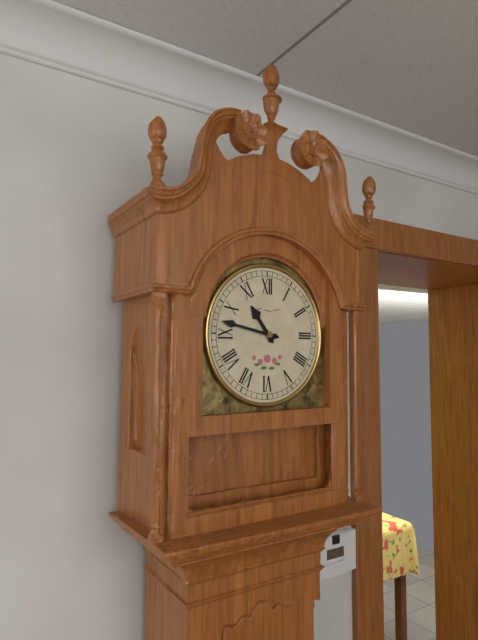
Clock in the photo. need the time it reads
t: 10:47
